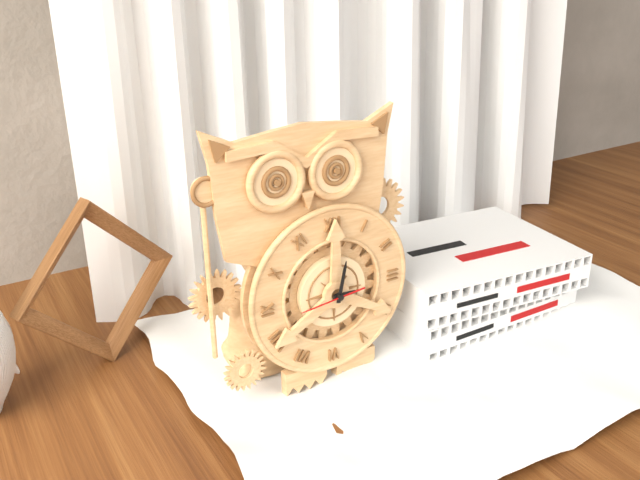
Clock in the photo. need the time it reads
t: 3:02:44
